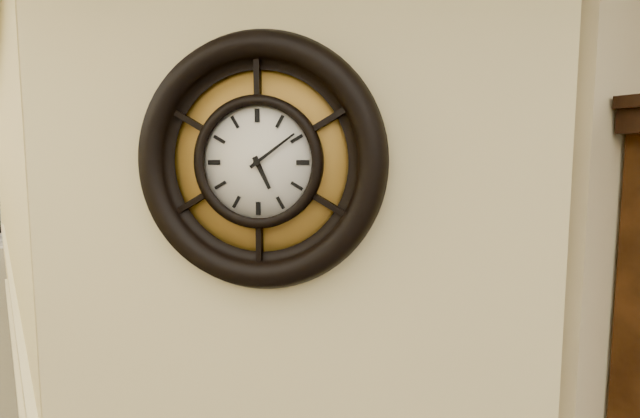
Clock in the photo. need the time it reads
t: 5:09
